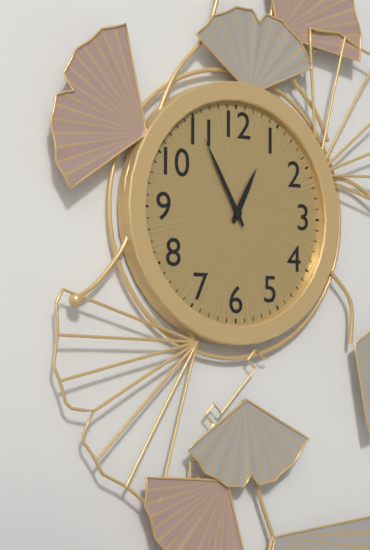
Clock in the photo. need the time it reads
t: 12:55
